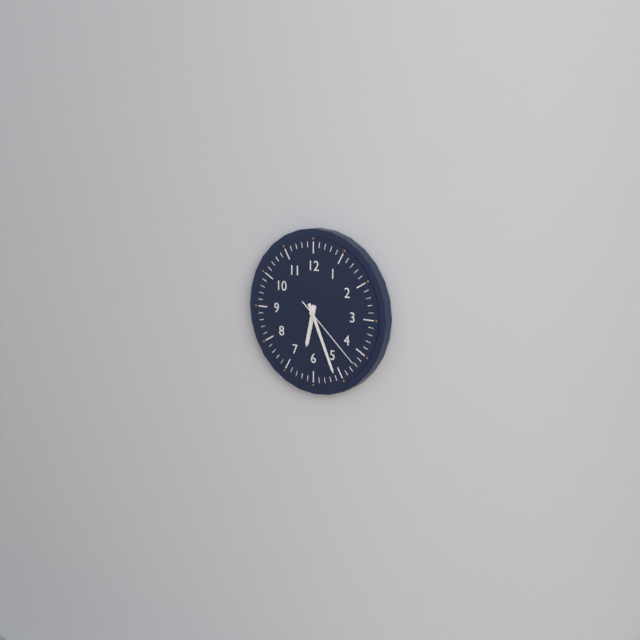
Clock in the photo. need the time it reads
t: 6:26:22
